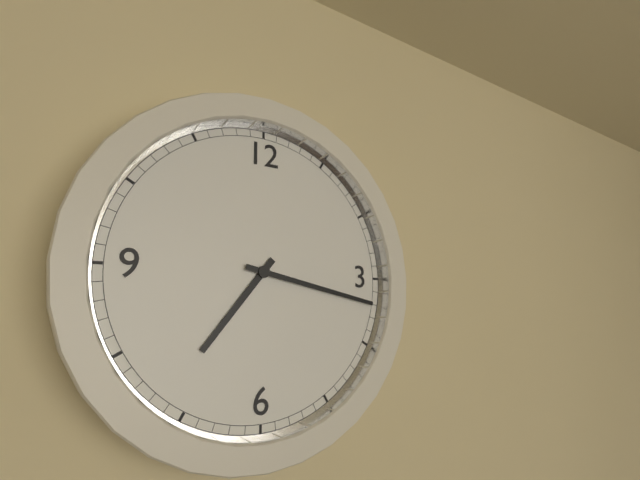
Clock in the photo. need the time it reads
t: 7:17
